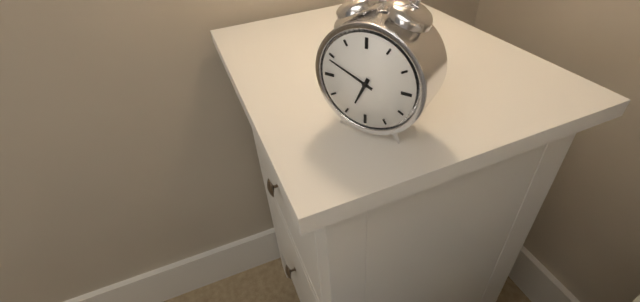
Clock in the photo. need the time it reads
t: 6:49
